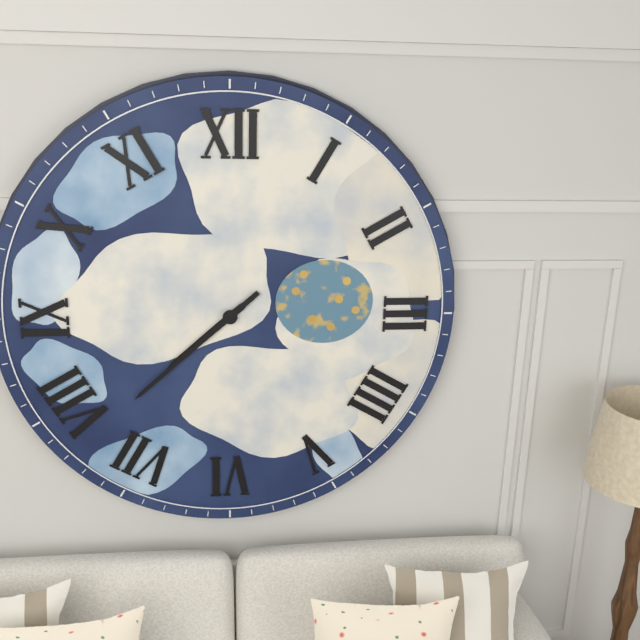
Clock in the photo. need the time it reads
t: 7:38
